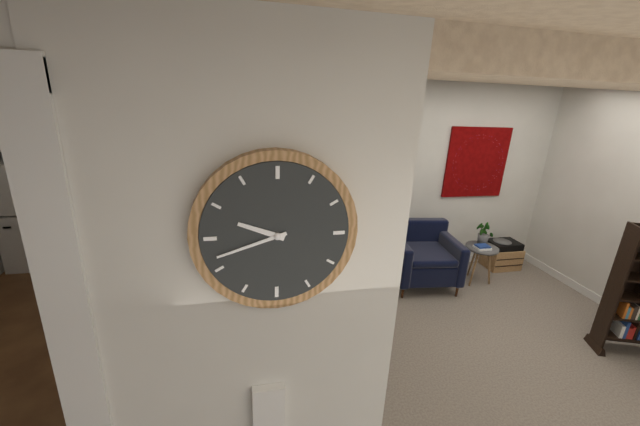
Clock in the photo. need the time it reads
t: 9:42
